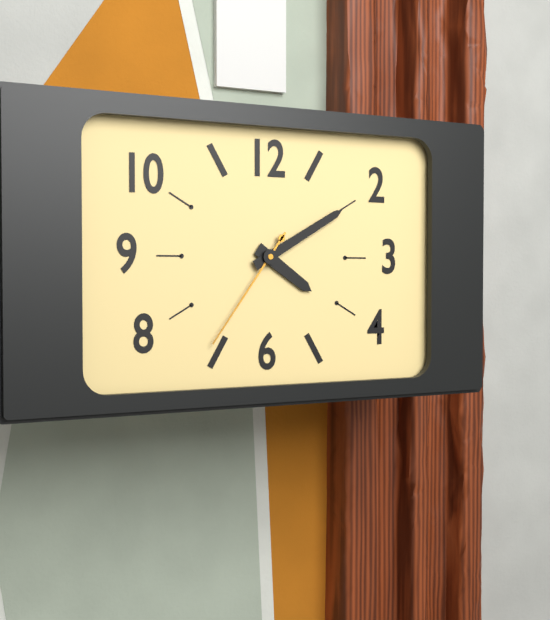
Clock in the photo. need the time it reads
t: 4:10:36
